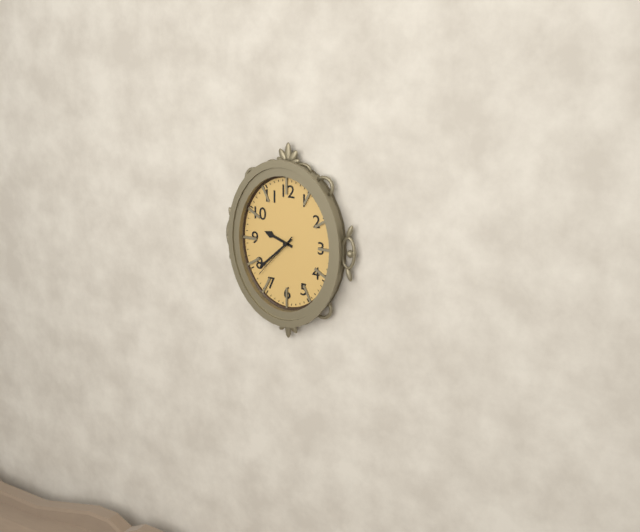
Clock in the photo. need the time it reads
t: 9:38:37
